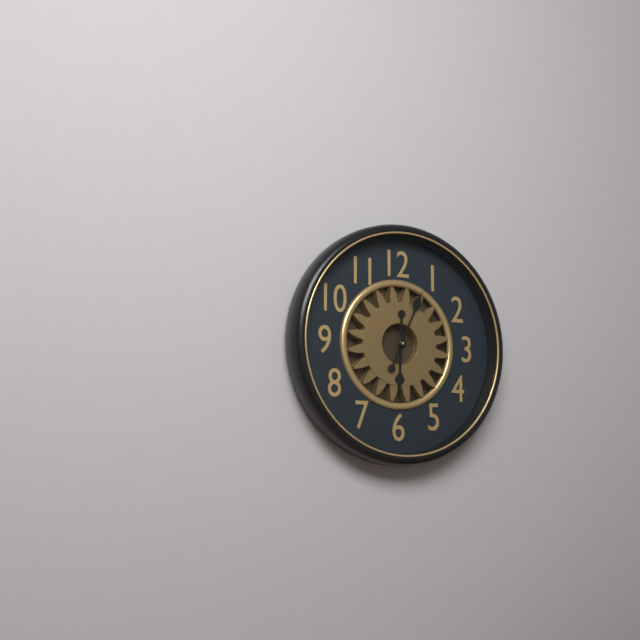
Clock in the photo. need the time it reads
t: 6:04
